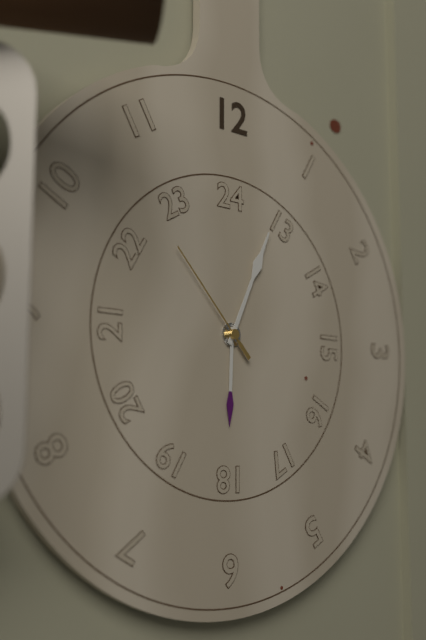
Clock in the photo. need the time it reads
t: 6:04:53
